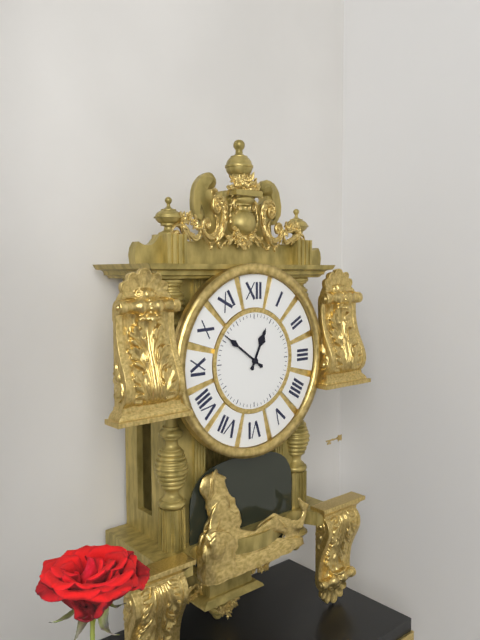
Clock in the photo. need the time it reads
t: 12:51
